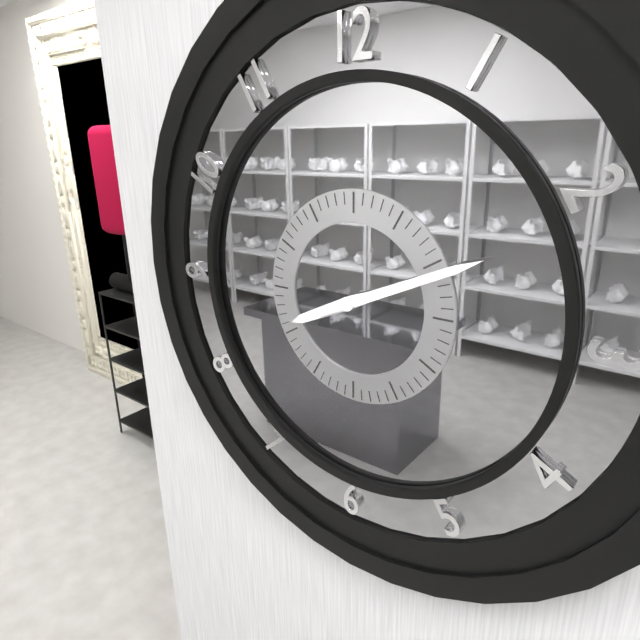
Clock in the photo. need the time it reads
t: 8:11
